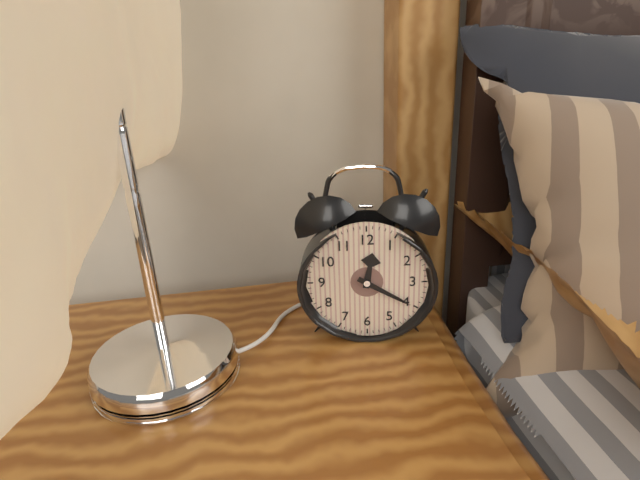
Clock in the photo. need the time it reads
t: 12:20
